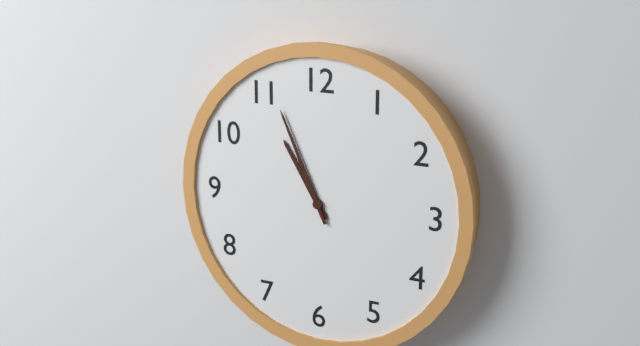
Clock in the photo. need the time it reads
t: 10:56
